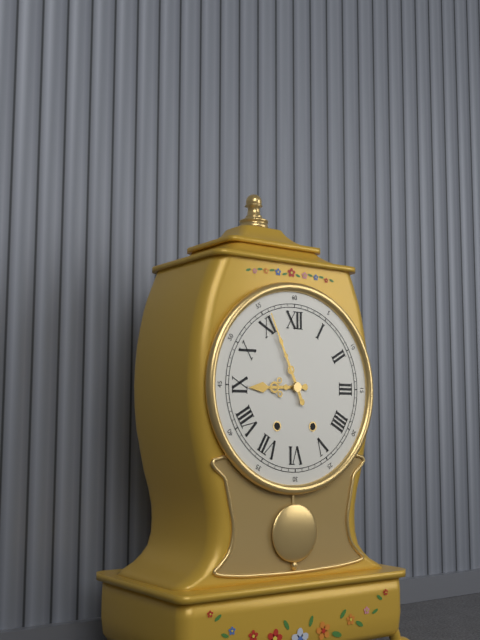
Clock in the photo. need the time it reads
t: 8:56
